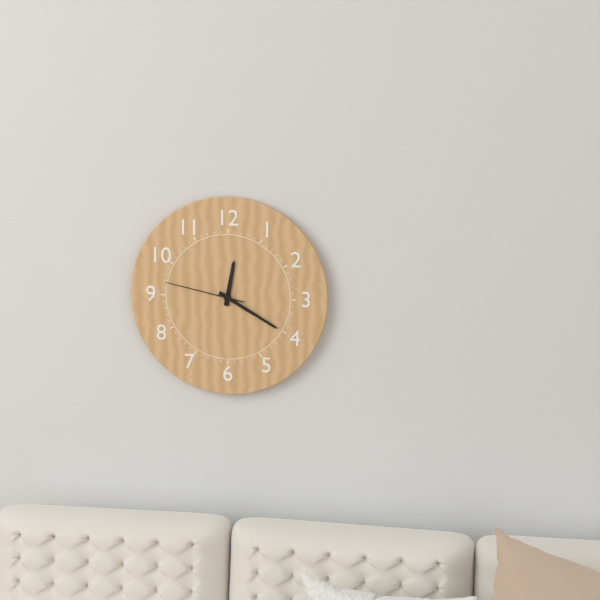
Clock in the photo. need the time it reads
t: 12:20:47
